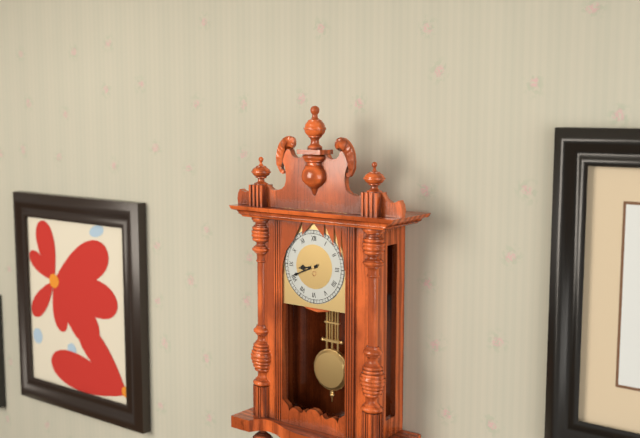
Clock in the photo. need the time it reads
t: 8:41
